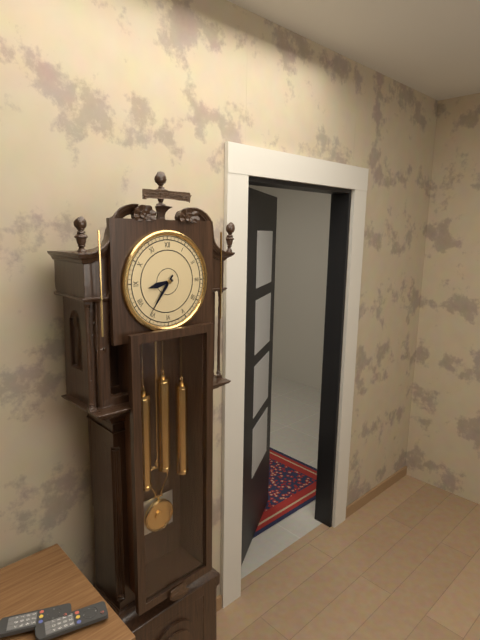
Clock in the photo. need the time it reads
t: 8:36
